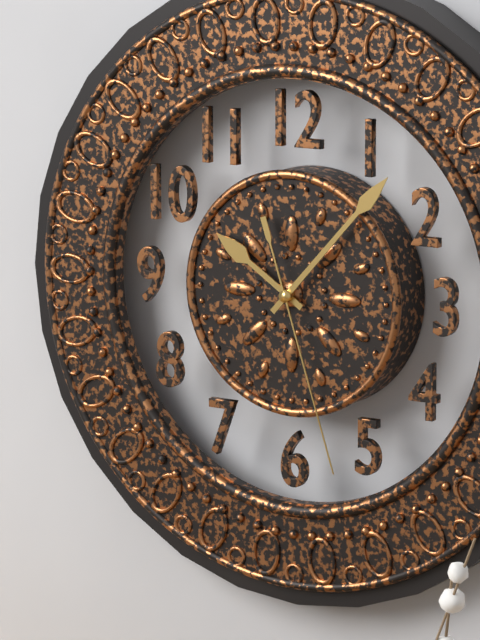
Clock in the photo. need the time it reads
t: 10:07:27
